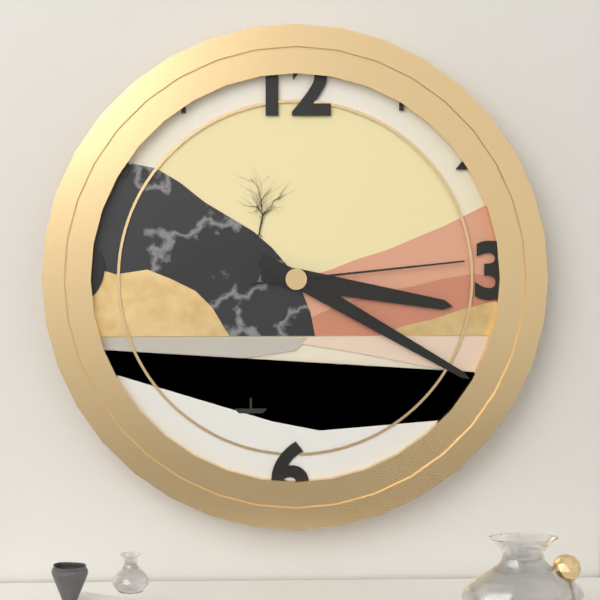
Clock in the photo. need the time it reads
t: 3:20:14
